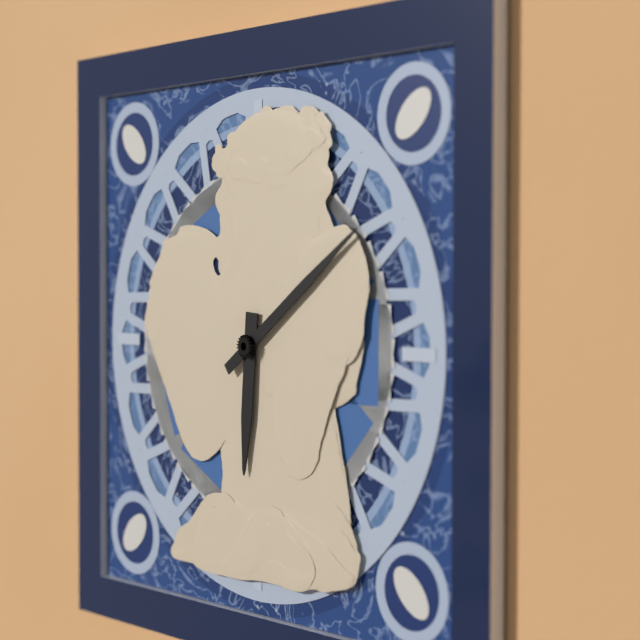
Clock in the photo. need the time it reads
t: 6:09
